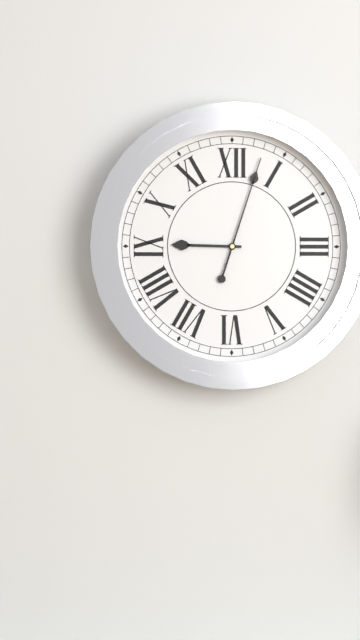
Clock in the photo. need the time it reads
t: 9:03
